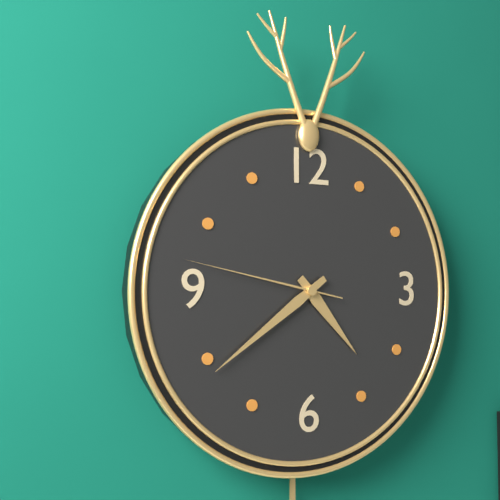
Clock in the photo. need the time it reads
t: 4:39:47
